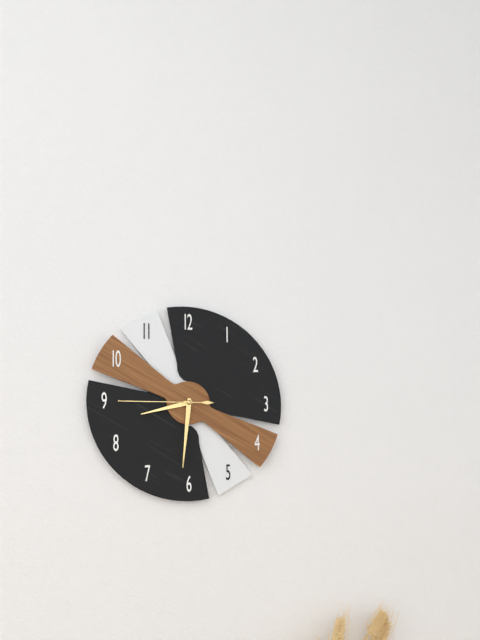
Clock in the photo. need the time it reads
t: 8:31:45
